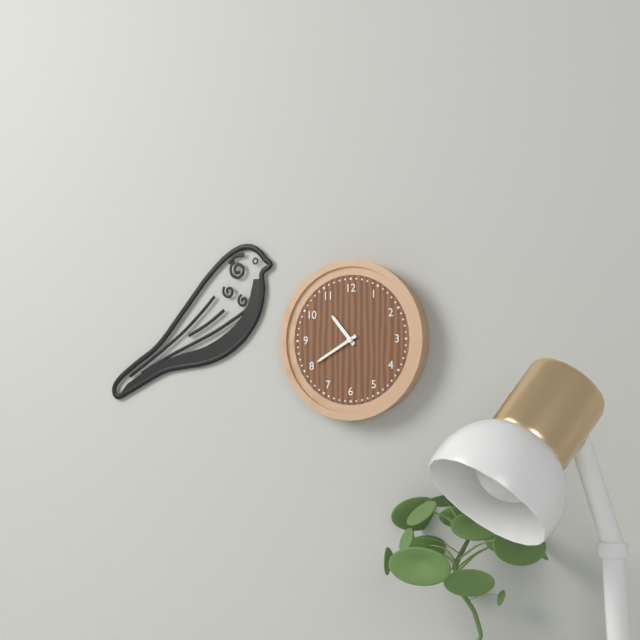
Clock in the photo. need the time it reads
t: 10:40
